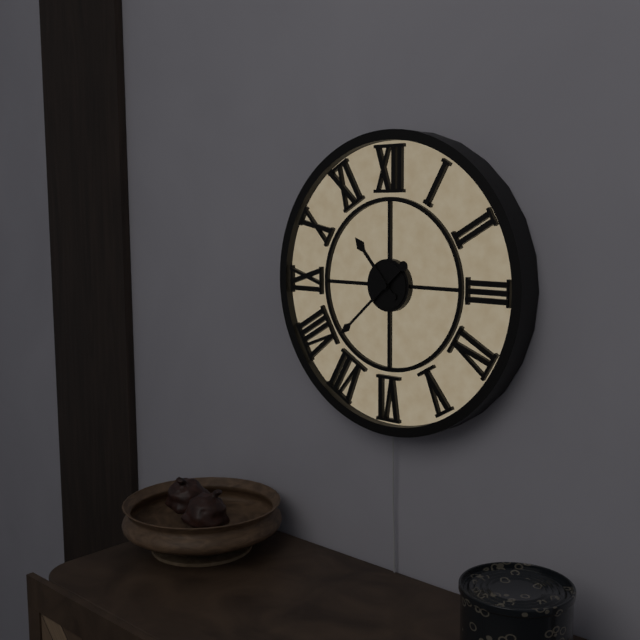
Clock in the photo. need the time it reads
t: 10:38
